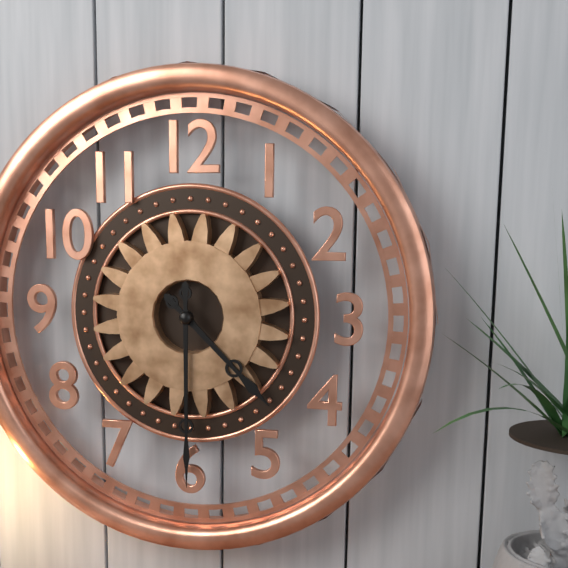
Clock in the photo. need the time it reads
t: 4:30
